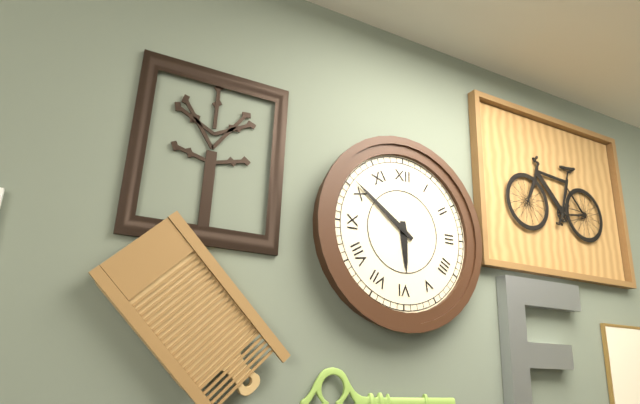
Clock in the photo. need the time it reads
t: 5:51
